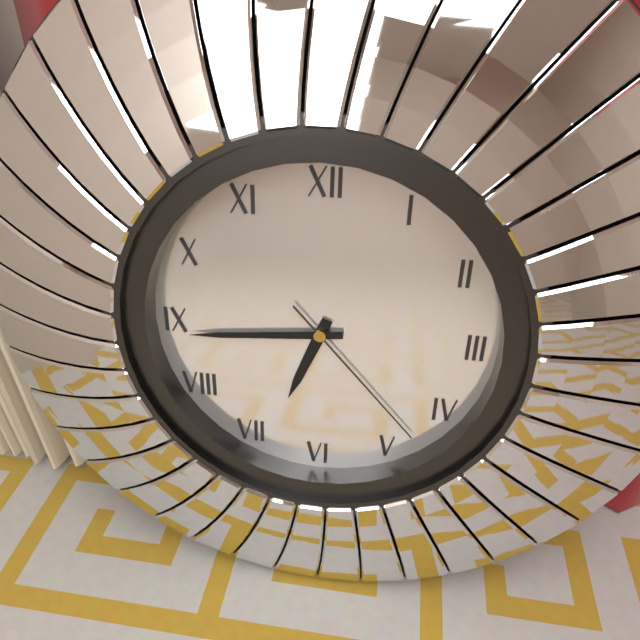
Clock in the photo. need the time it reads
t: 6:44:23
